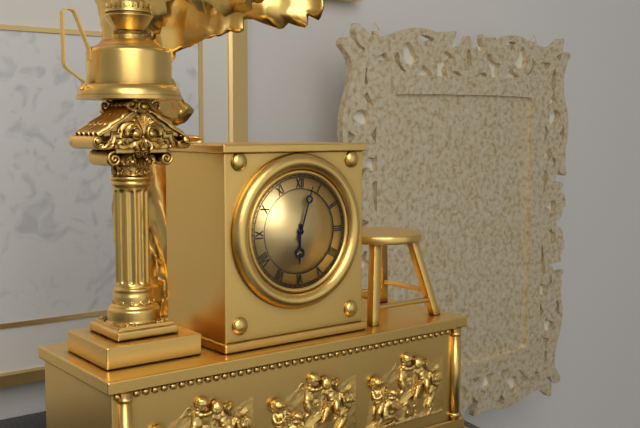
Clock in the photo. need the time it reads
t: 6:03
